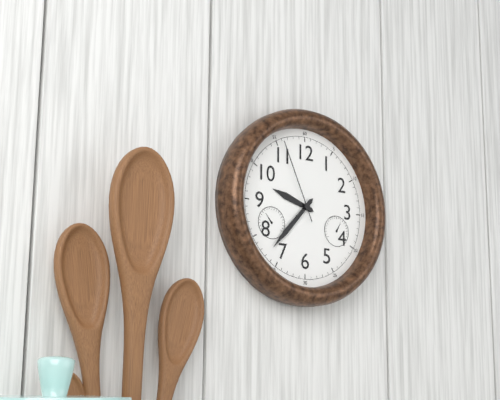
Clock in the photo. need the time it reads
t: 9:37:56
